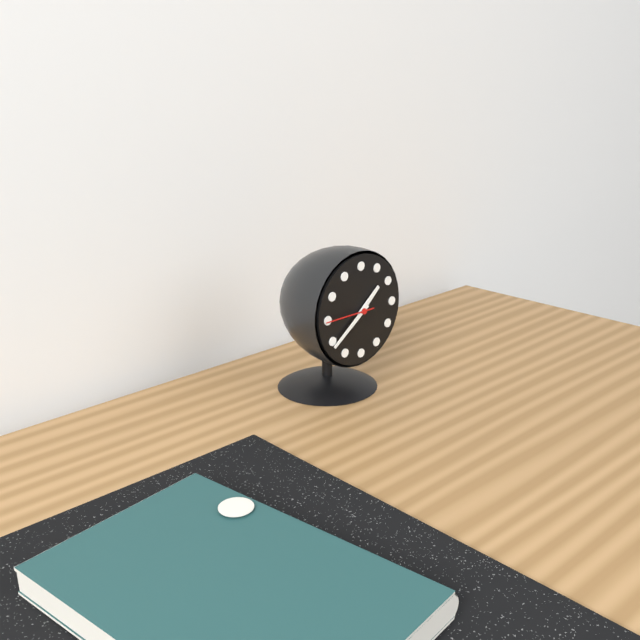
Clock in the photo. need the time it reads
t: 1:39
